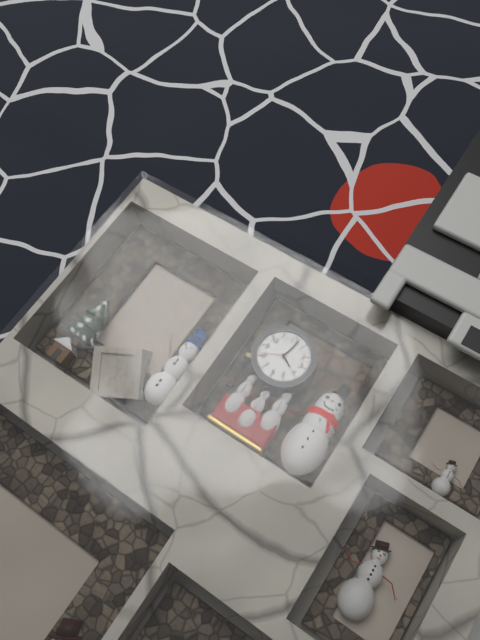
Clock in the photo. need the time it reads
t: 4:02
